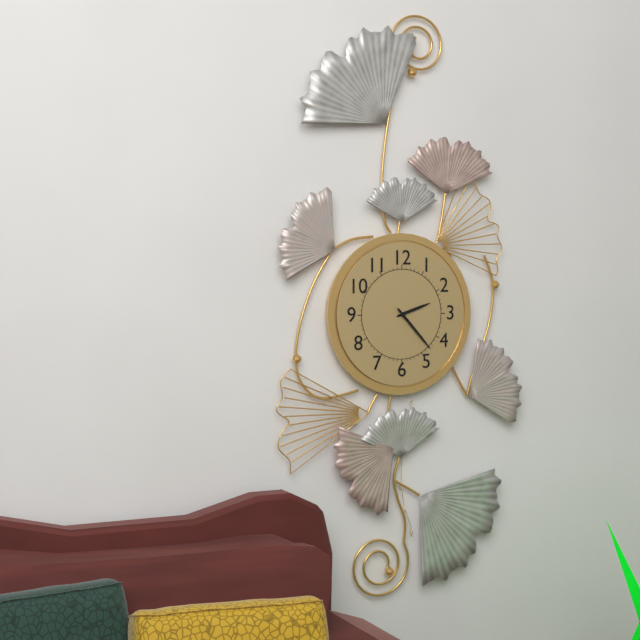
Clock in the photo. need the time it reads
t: 2:23
